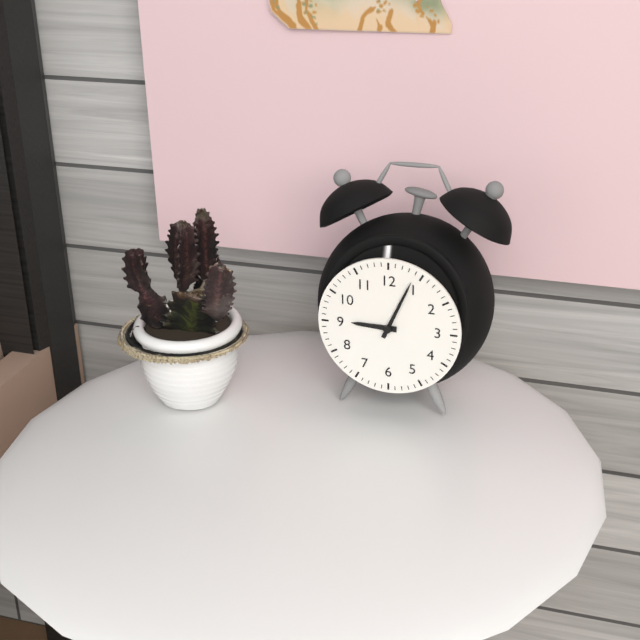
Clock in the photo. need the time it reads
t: 9:04
